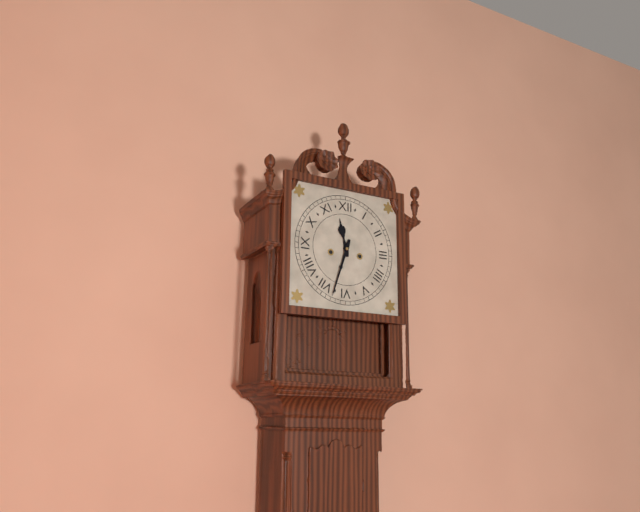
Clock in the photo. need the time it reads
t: 11:33
